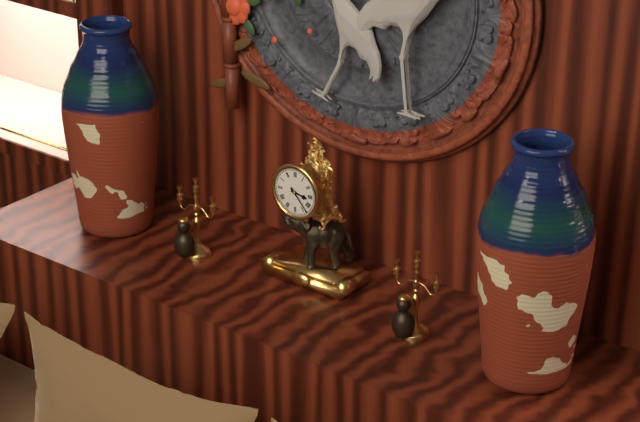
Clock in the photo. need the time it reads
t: 3:23
